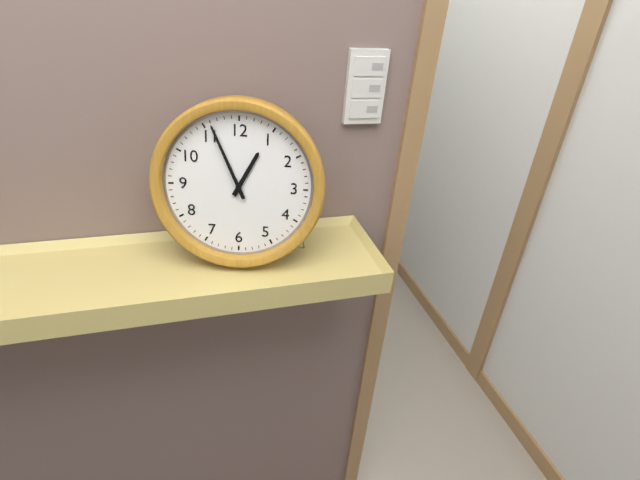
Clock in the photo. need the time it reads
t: 12:56
